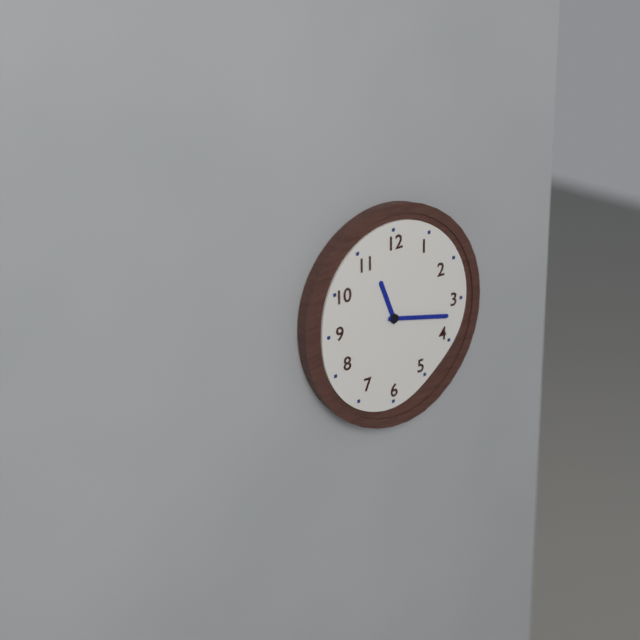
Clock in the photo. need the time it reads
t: 11:17
